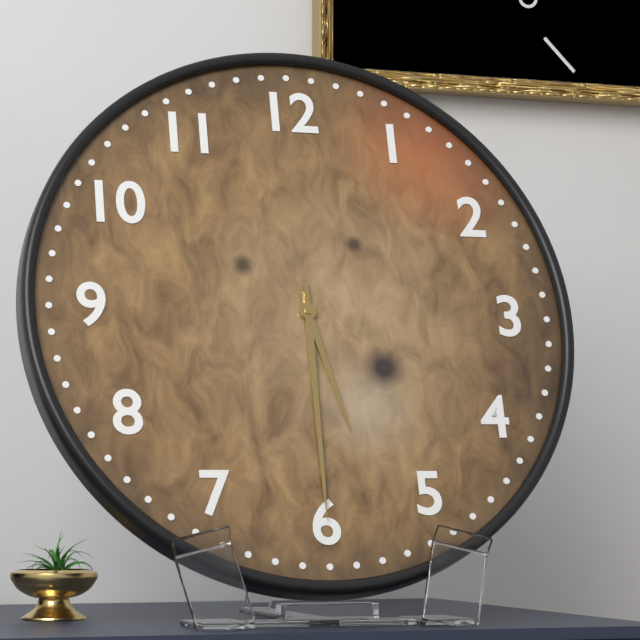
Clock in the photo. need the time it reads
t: 5:30
